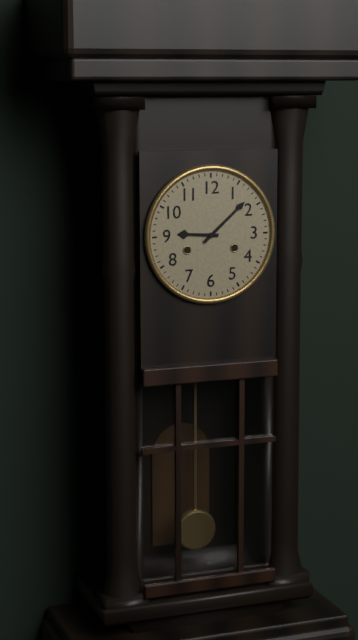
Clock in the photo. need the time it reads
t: 9:08
